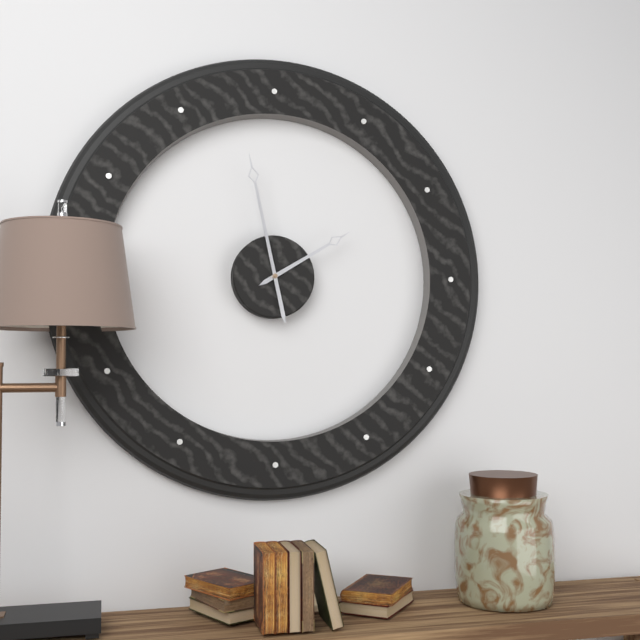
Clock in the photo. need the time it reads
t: 1:58
